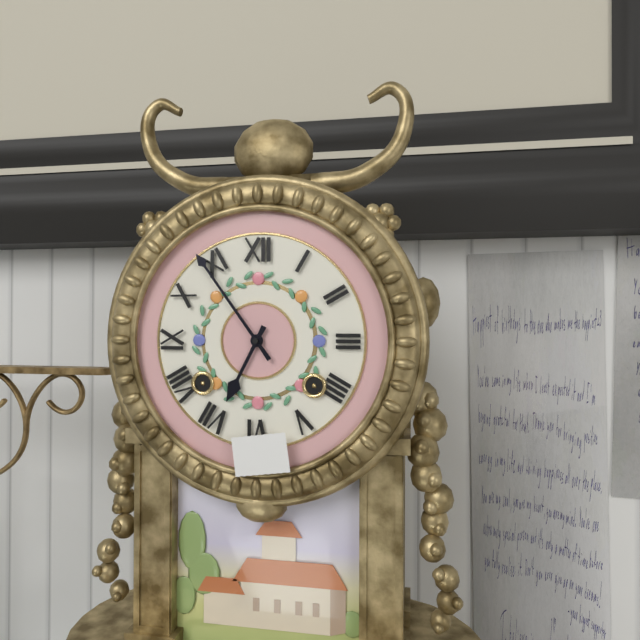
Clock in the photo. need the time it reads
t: 6:54
